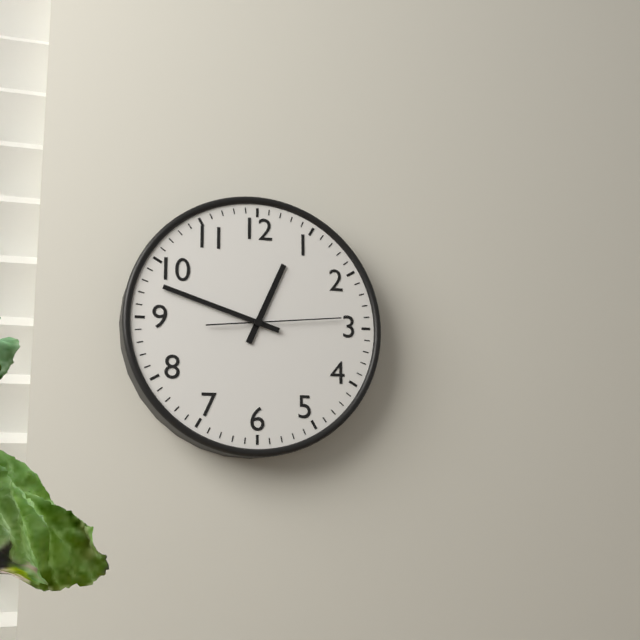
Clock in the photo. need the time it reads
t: 12:48:14
